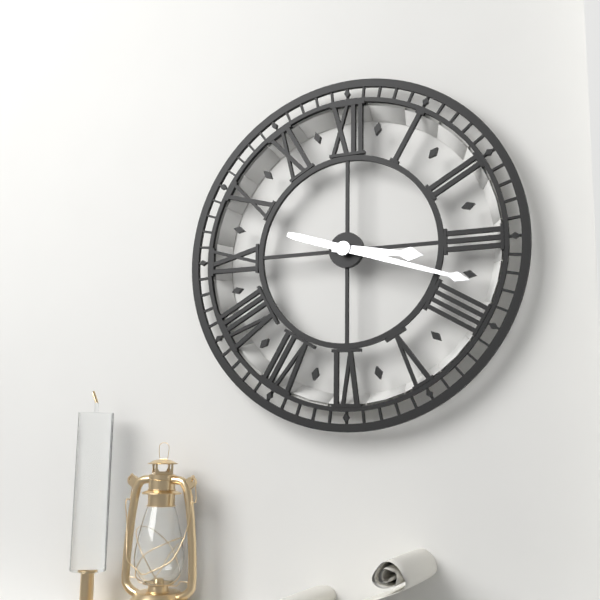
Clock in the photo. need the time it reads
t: 3:18
